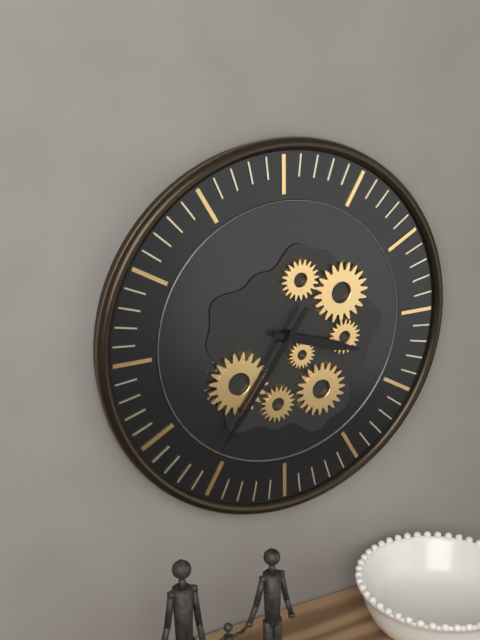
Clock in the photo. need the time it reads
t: 3:36
